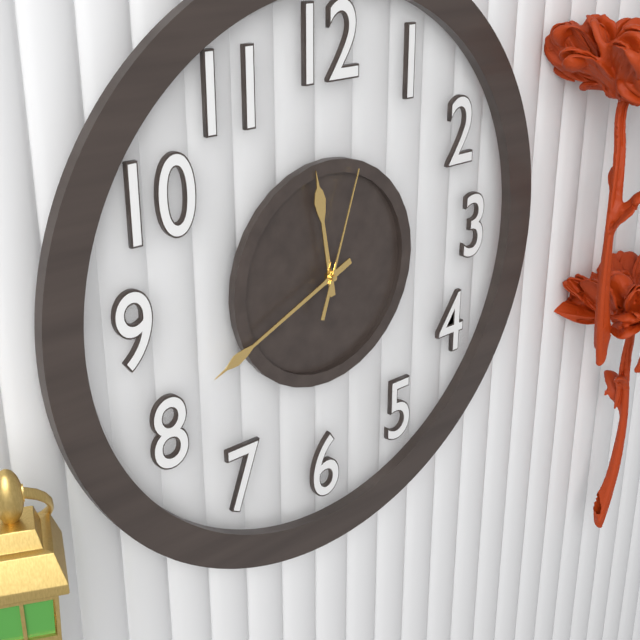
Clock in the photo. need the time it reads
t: 11:41:03
